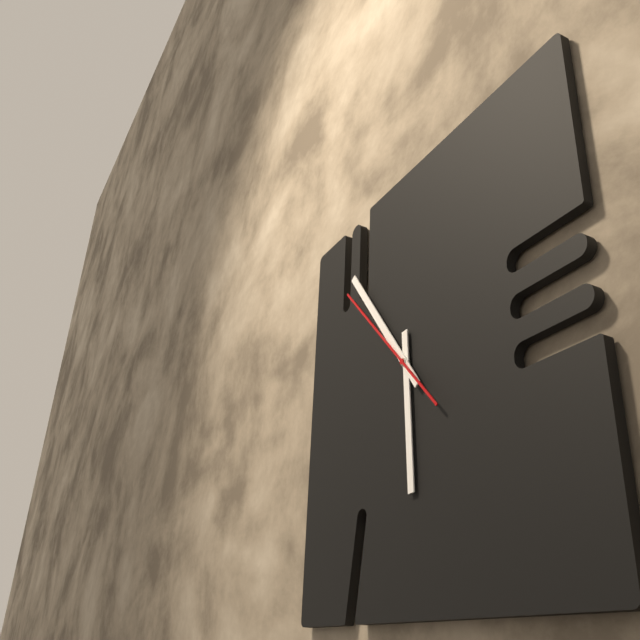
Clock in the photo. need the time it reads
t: 5:54:53
